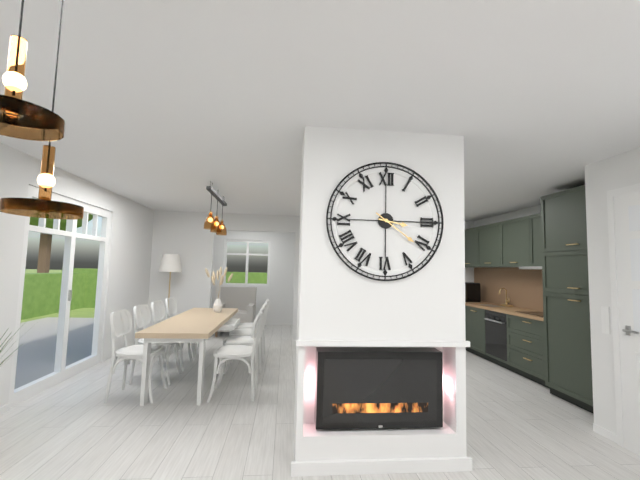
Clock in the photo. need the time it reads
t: 3:21
